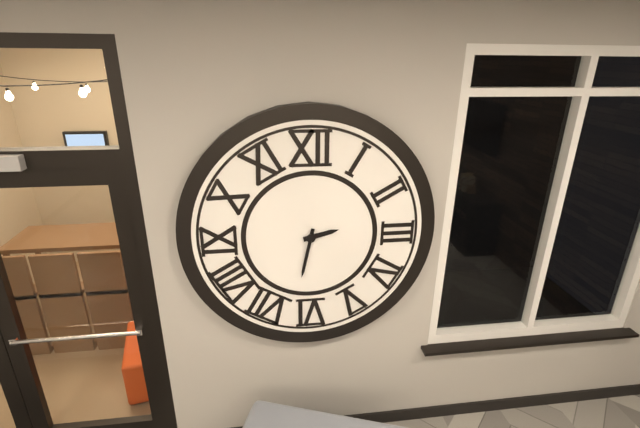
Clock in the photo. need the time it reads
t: 2:32
